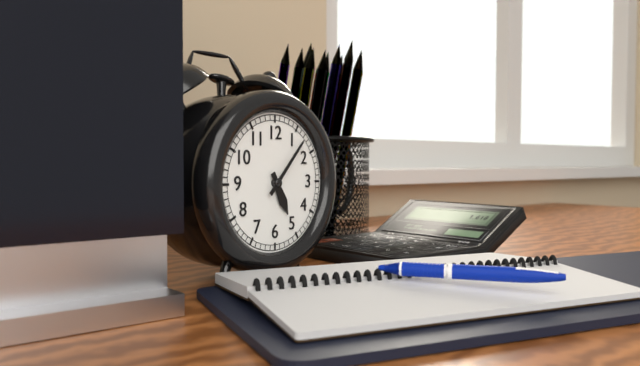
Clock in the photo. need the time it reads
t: 5:07
